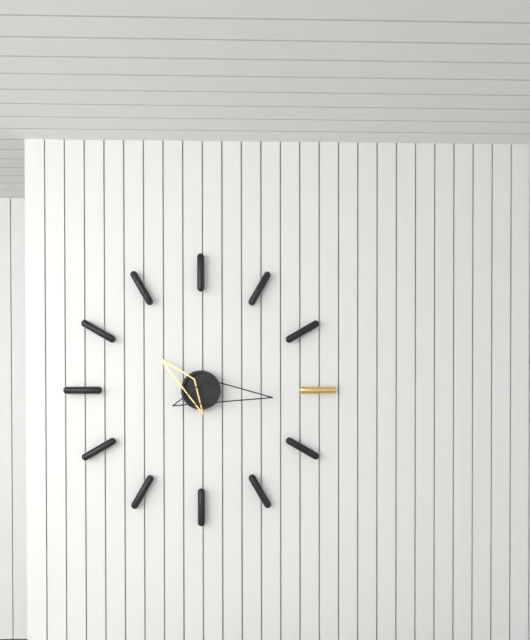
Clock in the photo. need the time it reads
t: 10:16
